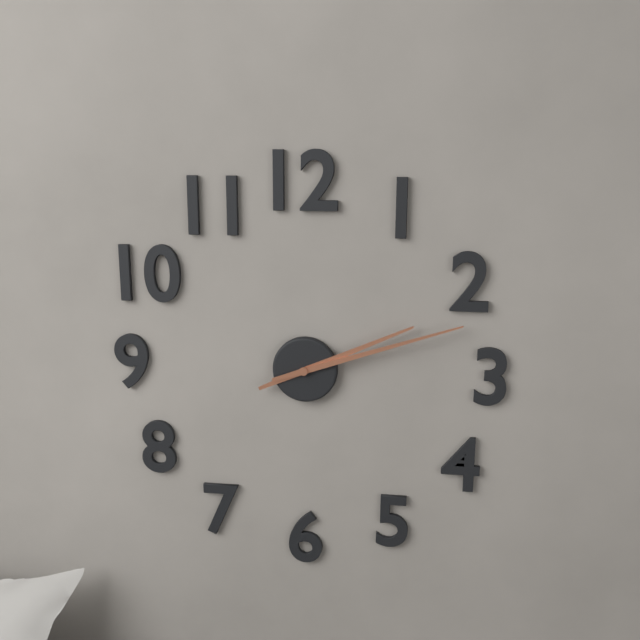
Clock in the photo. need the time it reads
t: 2:12
